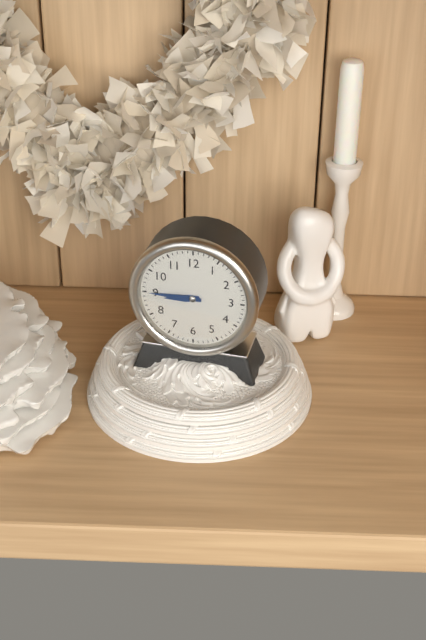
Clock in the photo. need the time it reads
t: 8:45
